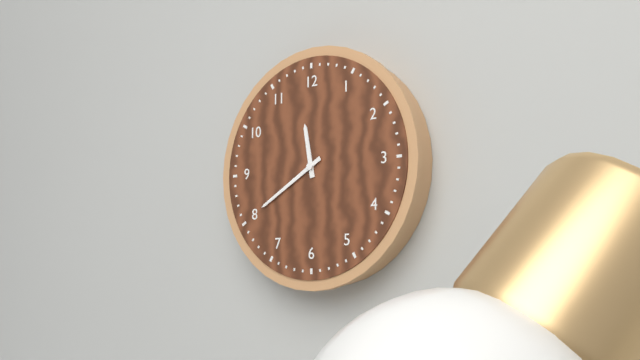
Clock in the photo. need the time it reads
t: 11:40
